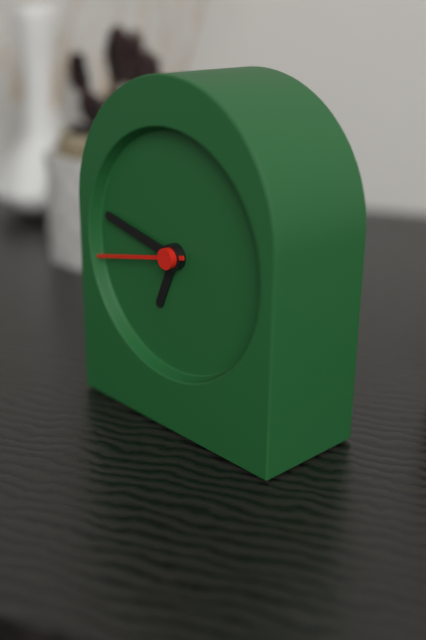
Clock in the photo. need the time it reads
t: 6:47:43
